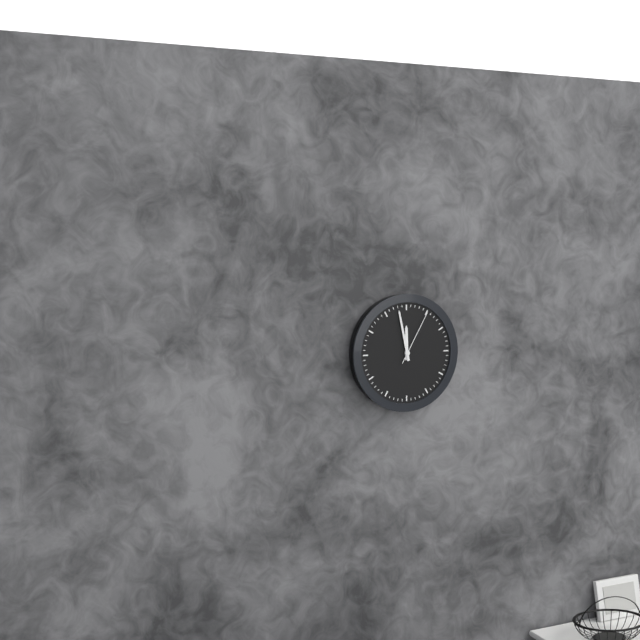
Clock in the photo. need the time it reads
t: 11:58:05
